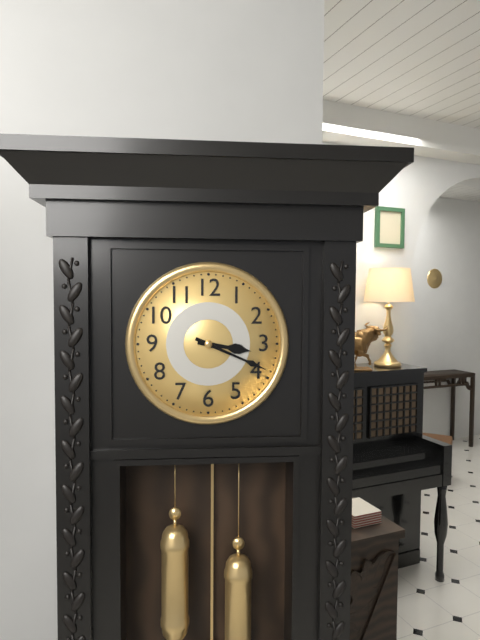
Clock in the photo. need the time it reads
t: 3:19
